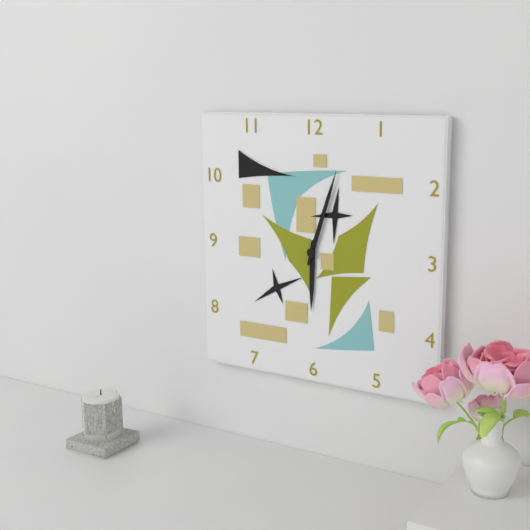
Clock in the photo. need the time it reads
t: 6:03
